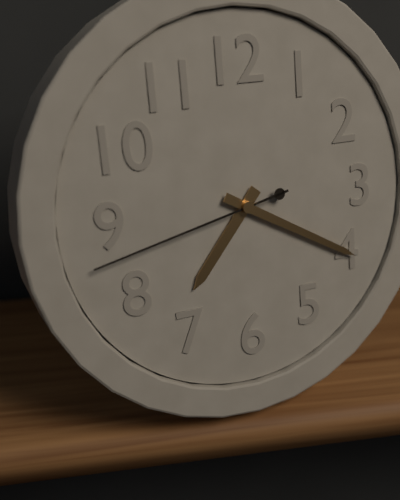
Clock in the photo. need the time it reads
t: 7:20:43
